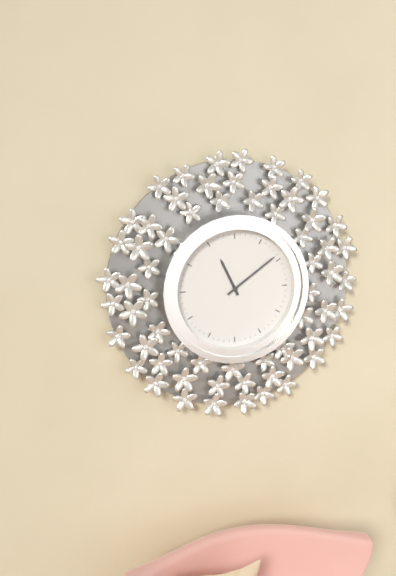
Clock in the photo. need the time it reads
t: 11:09
